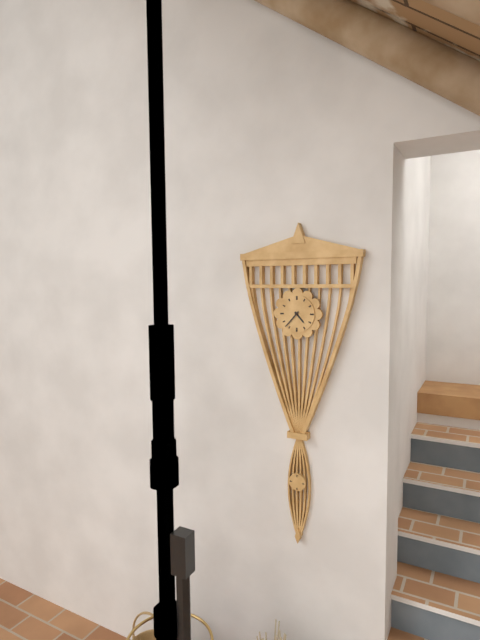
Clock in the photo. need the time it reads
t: 4:37
